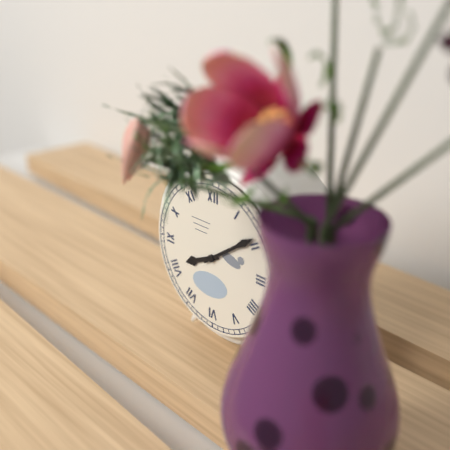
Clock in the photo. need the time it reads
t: 8:09
